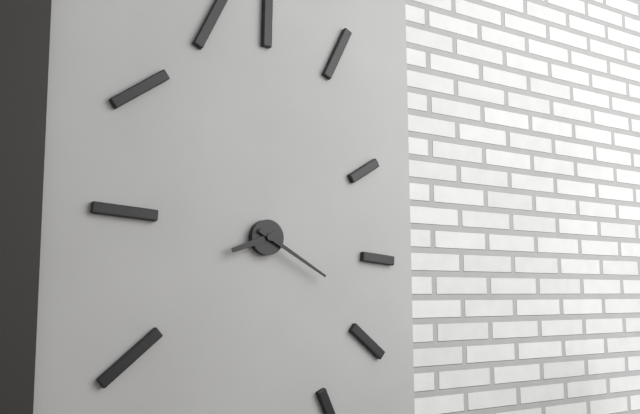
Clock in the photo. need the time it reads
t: 8:20
